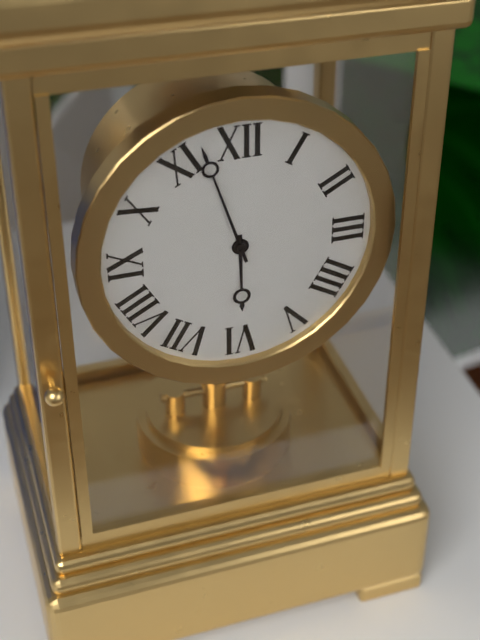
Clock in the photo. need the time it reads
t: 5:57
